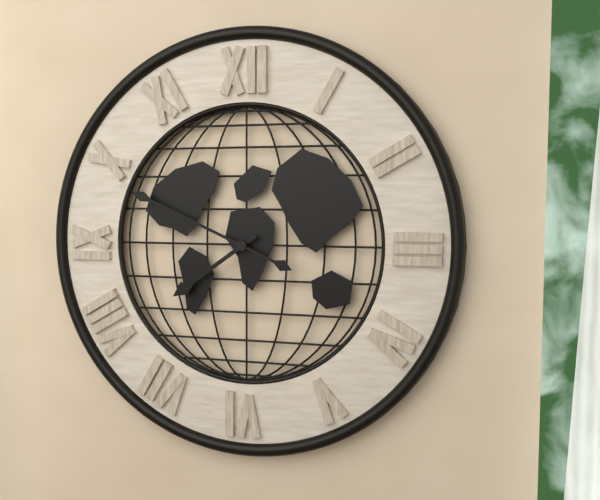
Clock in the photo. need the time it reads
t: 7:49
